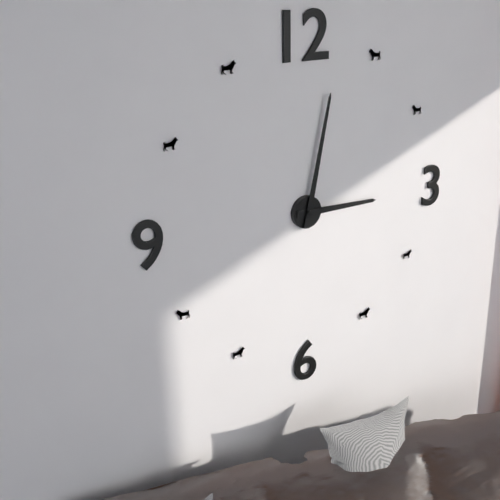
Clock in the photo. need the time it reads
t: 3:02
